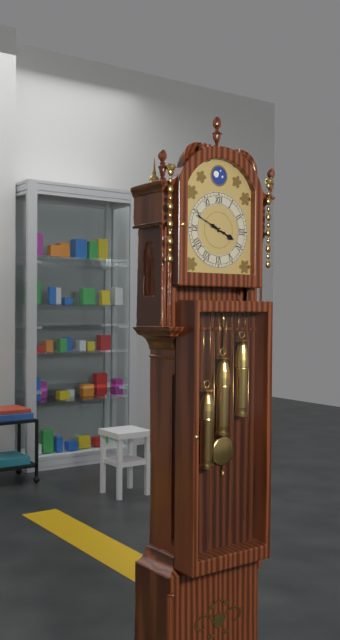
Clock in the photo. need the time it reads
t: 3:49
